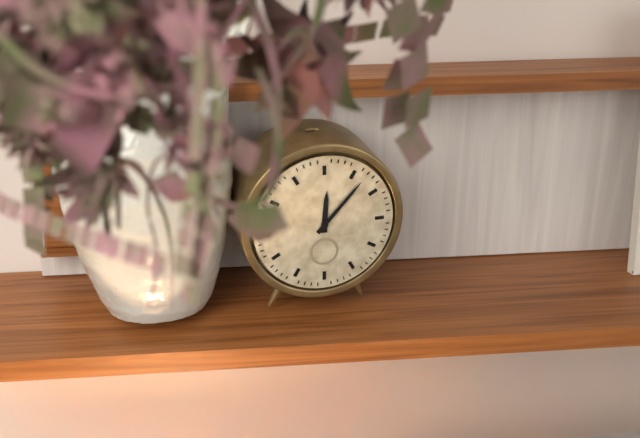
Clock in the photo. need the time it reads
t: 12:07
